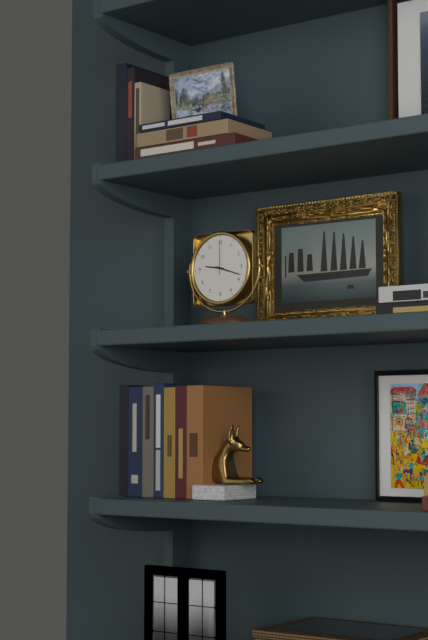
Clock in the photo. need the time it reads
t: 9:18
